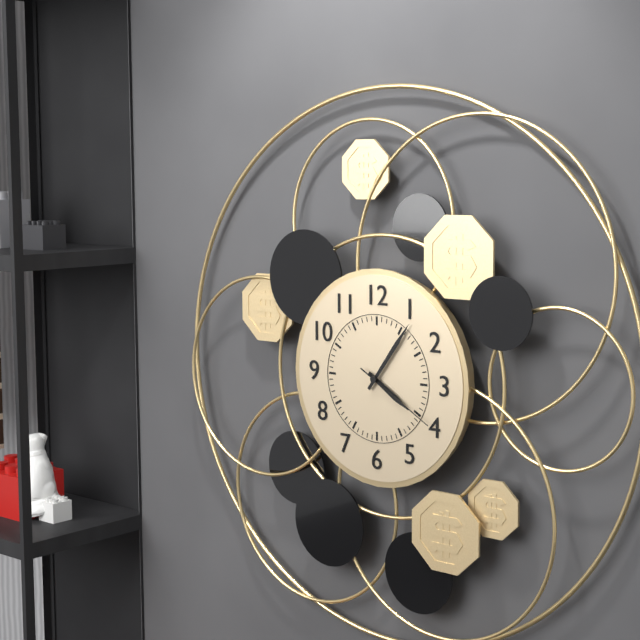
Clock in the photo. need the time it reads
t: 4:06:20
